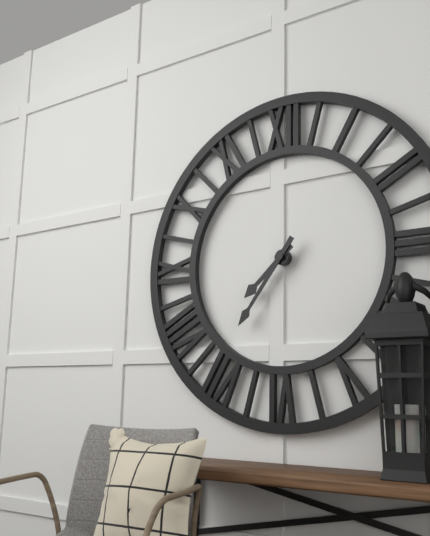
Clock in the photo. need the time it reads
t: 7:36
